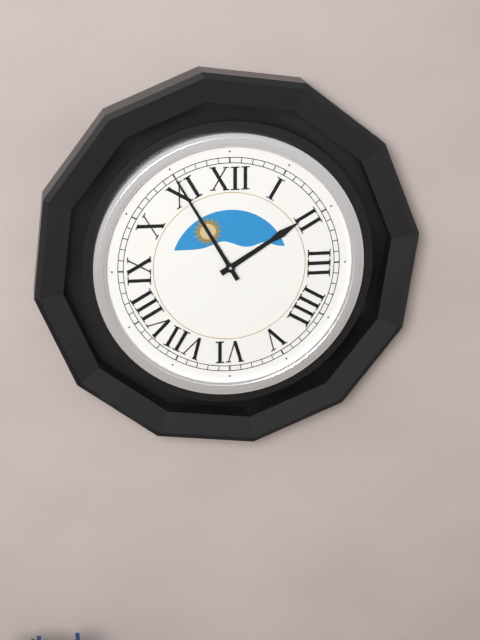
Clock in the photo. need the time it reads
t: 1:55
